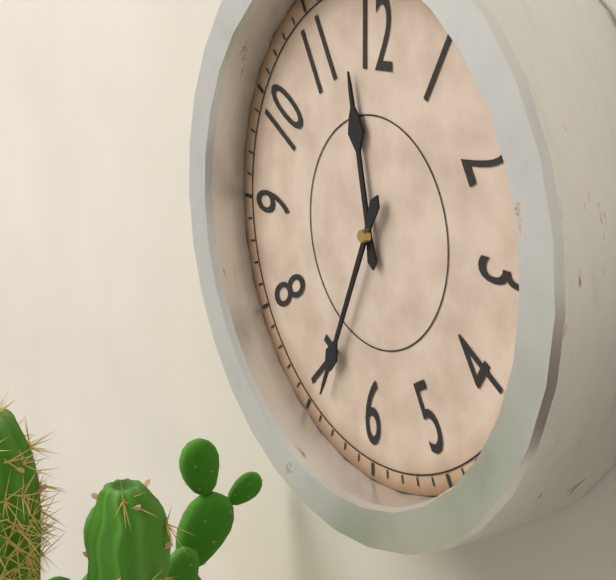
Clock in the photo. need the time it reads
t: 11:34
